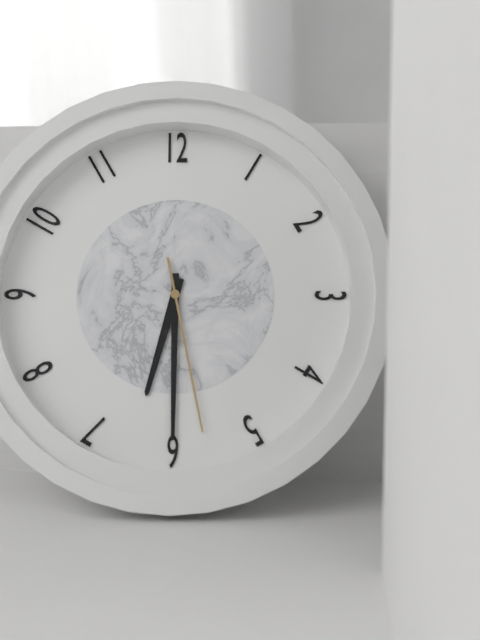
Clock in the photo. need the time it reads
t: 6:30:28
